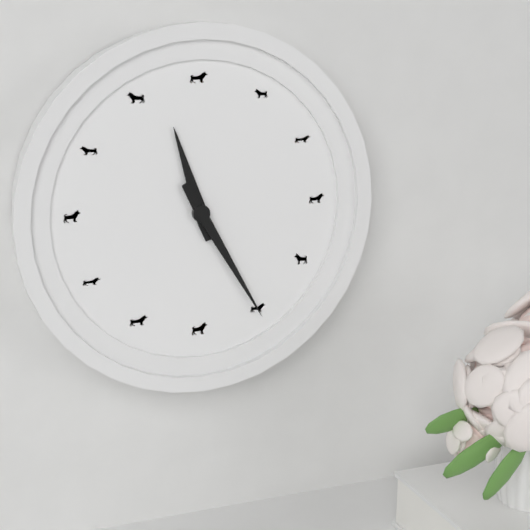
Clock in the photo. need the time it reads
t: 11:25
